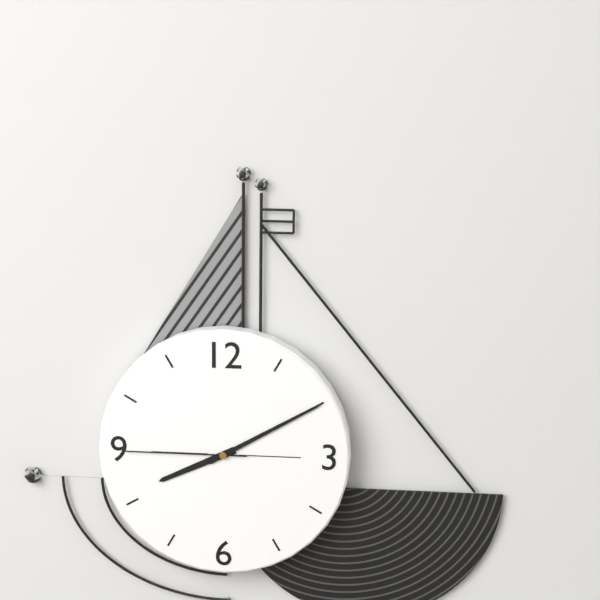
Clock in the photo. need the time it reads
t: 8:10:45
